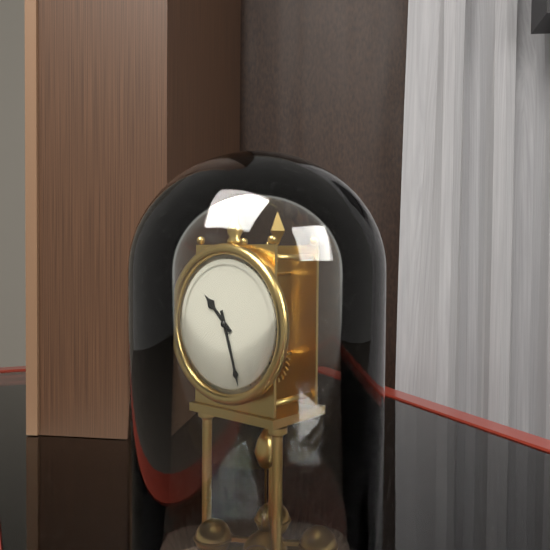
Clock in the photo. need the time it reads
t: 10:27
